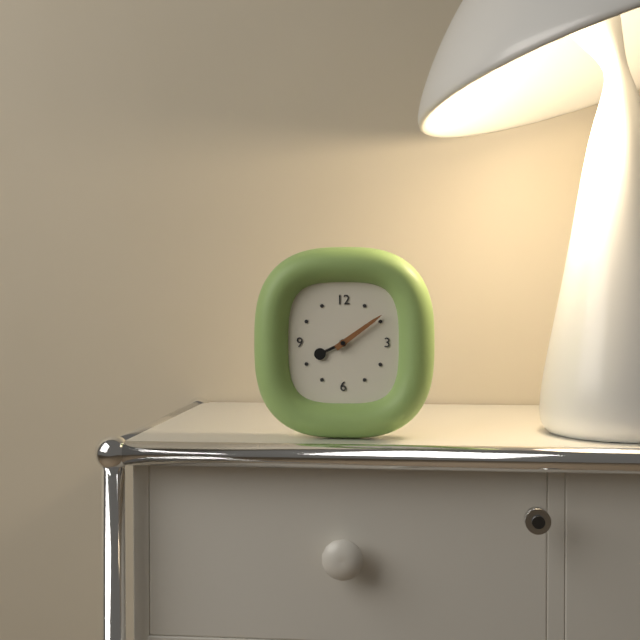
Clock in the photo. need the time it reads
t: 8:09
